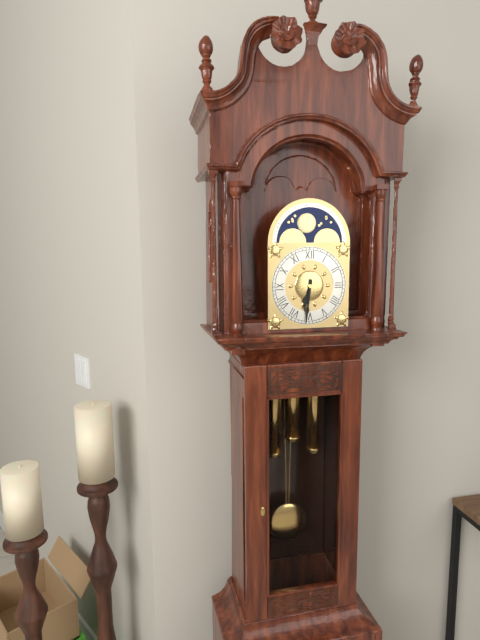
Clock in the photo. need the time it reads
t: 6:31
